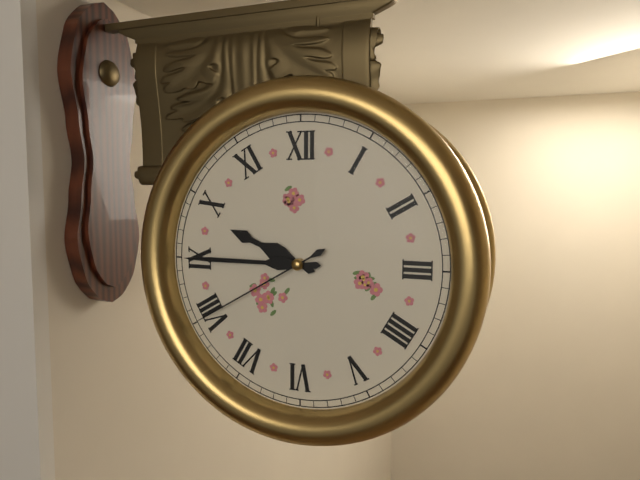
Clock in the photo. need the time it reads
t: 9:45:40
